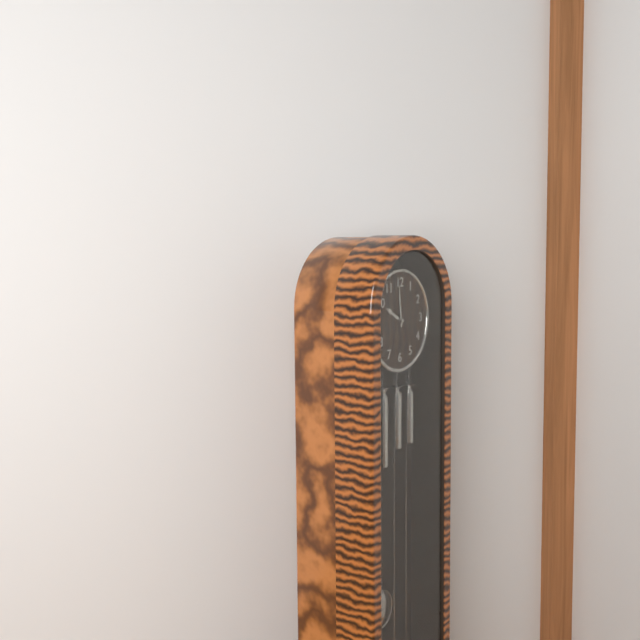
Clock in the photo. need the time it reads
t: 9:59
